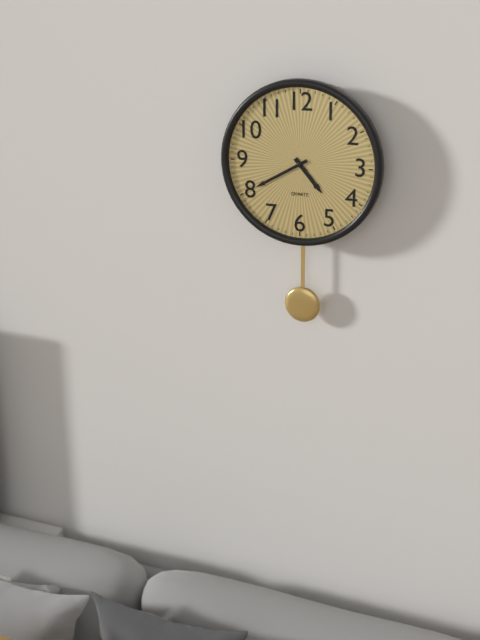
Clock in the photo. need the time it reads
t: 4:40
